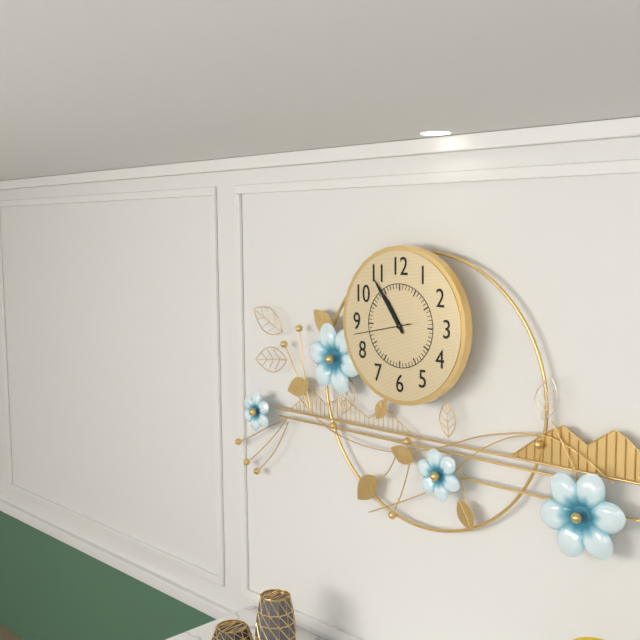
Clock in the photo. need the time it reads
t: 10:54:43
